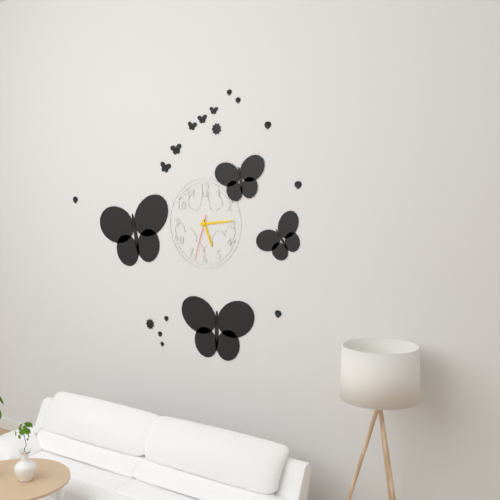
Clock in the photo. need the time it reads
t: 5:14
